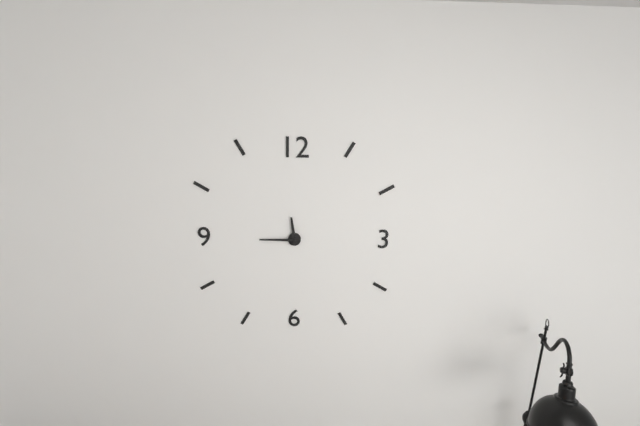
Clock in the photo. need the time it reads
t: 11:45
